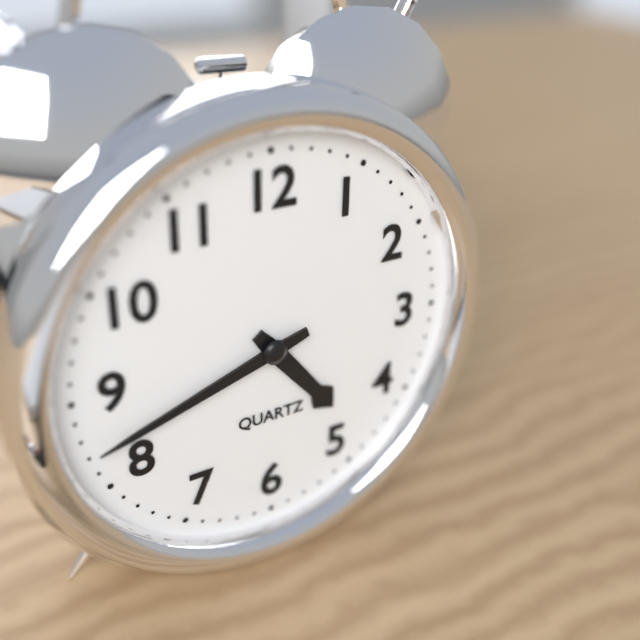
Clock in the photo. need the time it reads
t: 4:42
